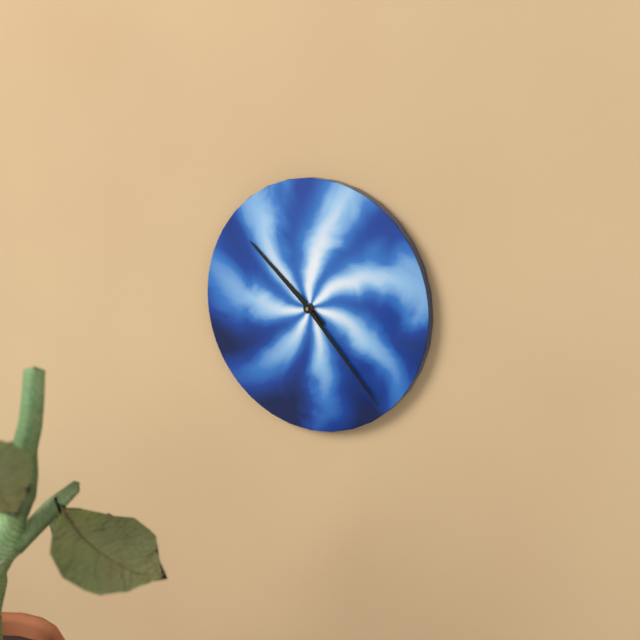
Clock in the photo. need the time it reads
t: 10:23
